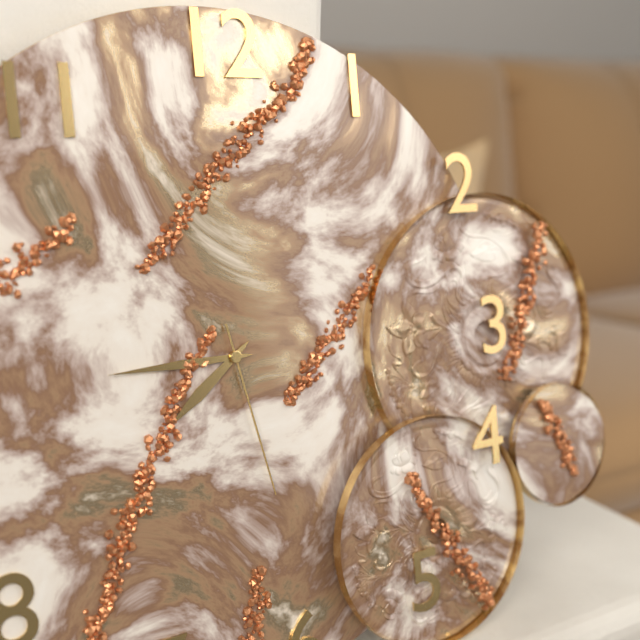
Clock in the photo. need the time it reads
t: 7:45:28
